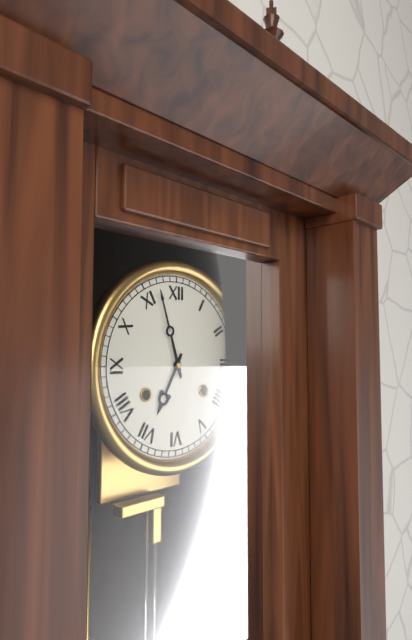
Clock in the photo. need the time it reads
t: 6:57
